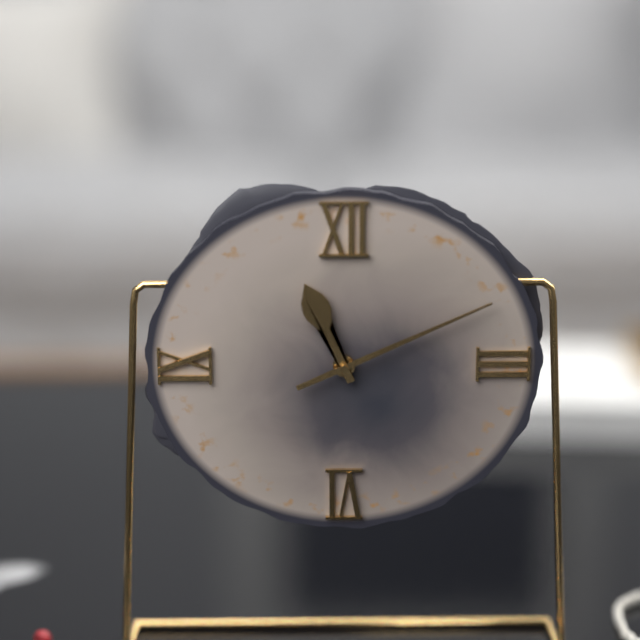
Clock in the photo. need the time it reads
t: 11:11
